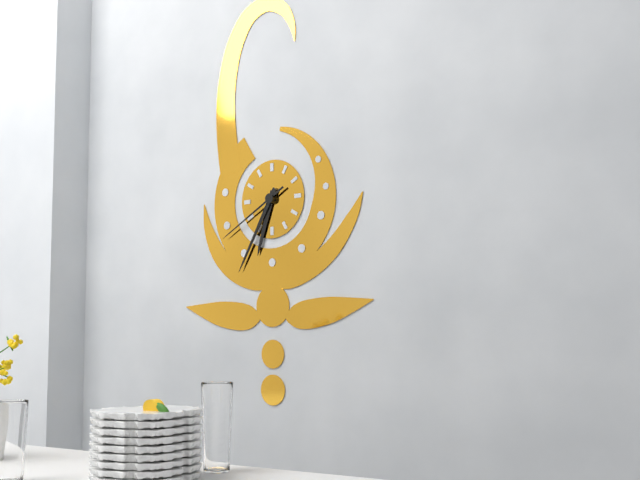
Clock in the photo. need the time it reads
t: 6:35:40
